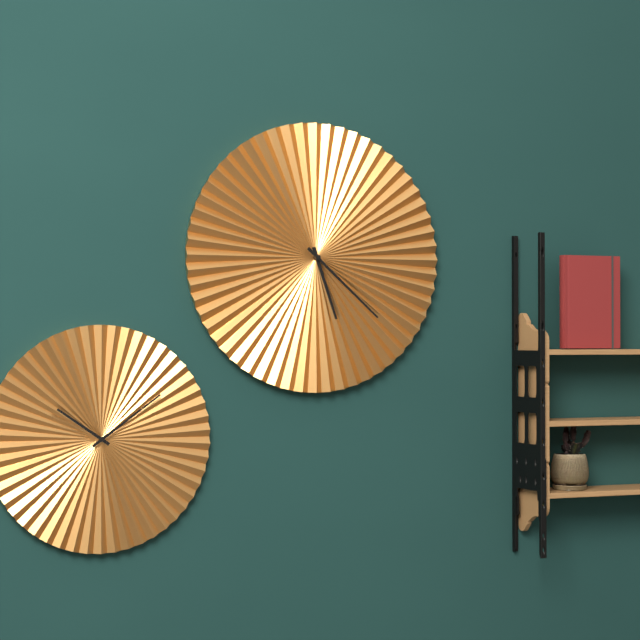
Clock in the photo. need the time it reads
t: 5:22
